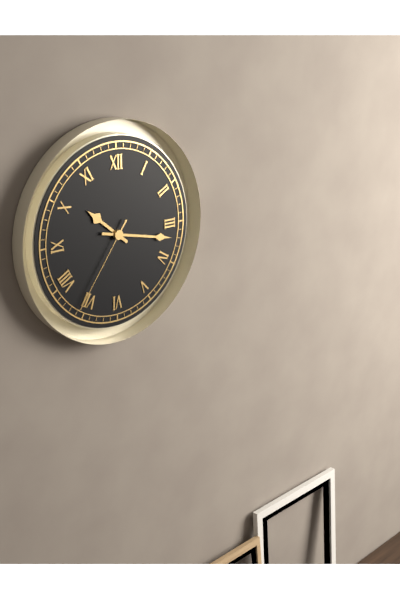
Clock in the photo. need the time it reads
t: 10:17:36
